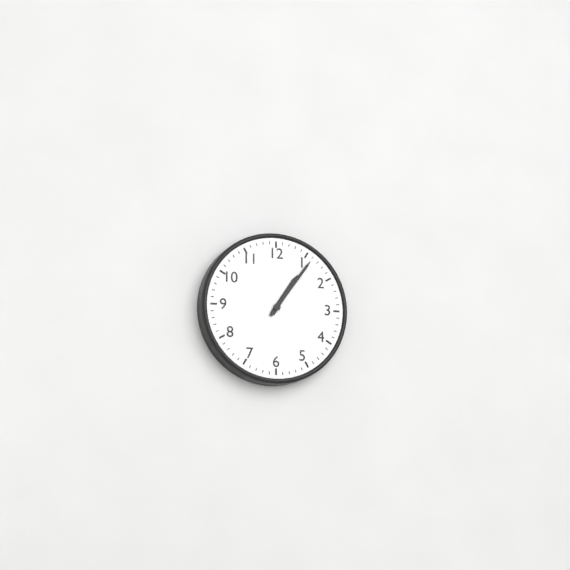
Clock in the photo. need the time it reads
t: 1:06
